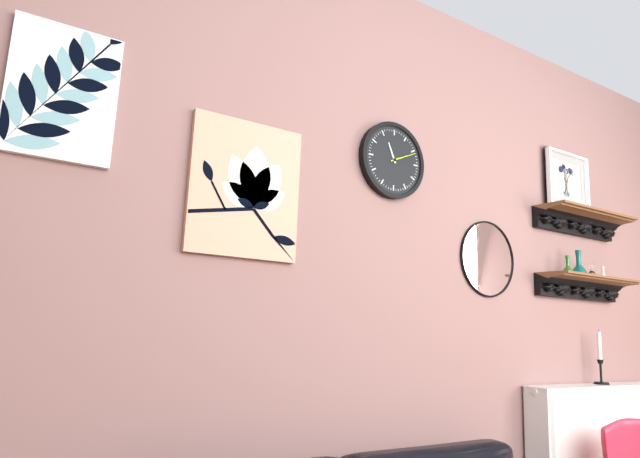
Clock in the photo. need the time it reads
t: 11:11
